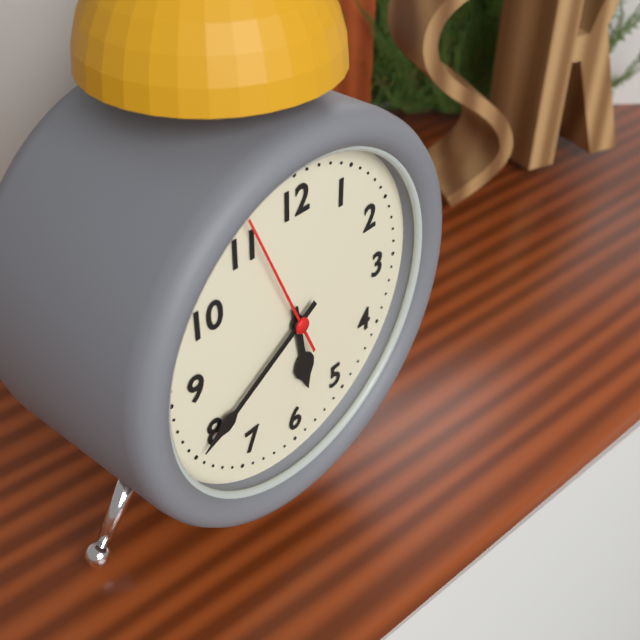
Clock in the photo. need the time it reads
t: 5:40:56
